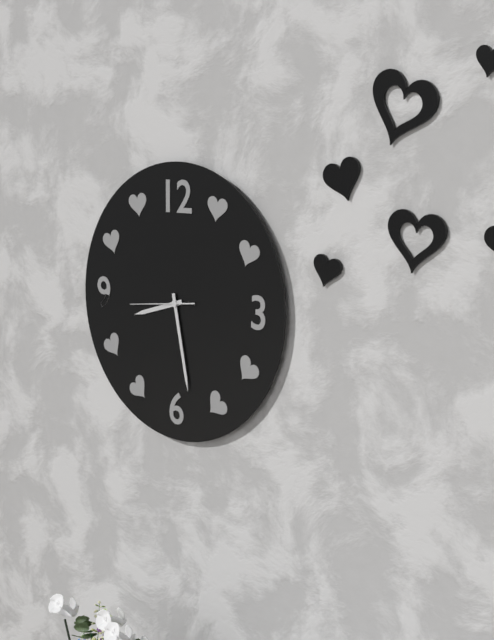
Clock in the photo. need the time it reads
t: 8:28:44
